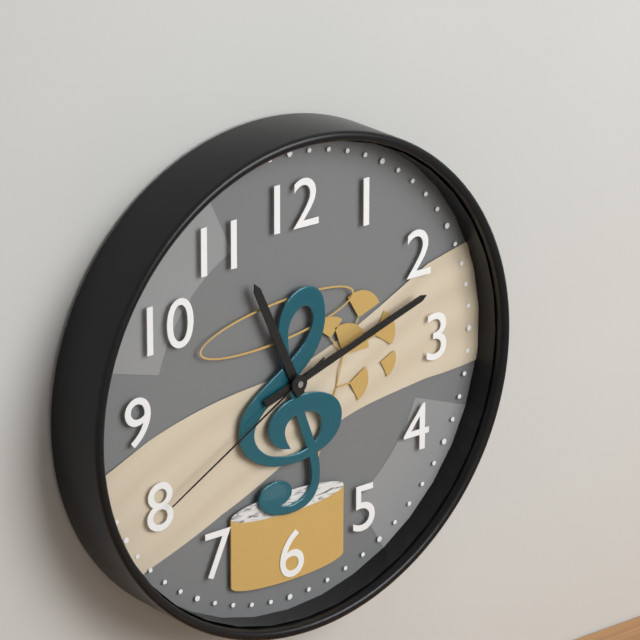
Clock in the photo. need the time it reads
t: 11:12:40
